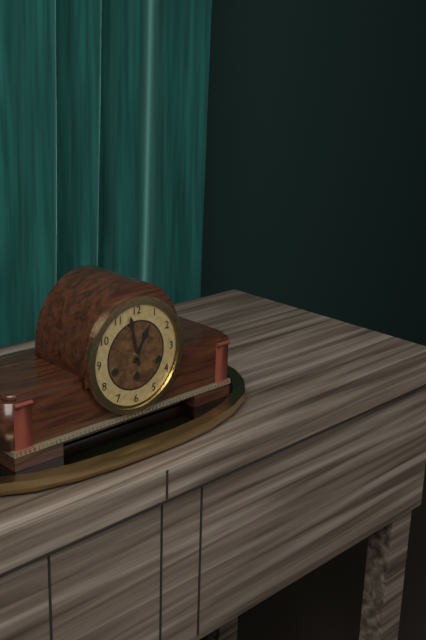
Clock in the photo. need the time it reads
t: 12:58
